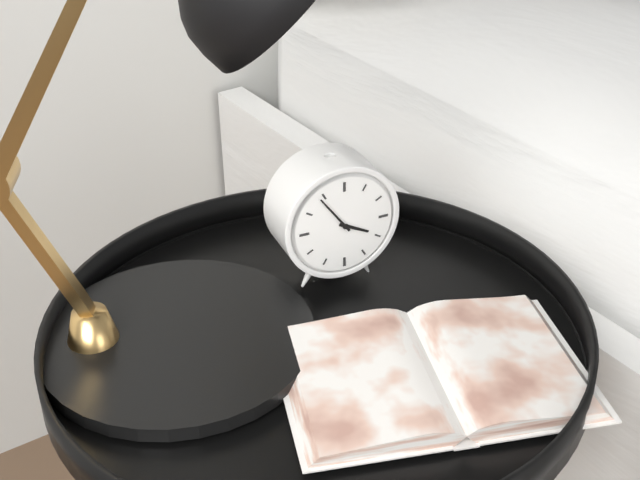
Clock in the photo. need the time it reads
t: 3:54
